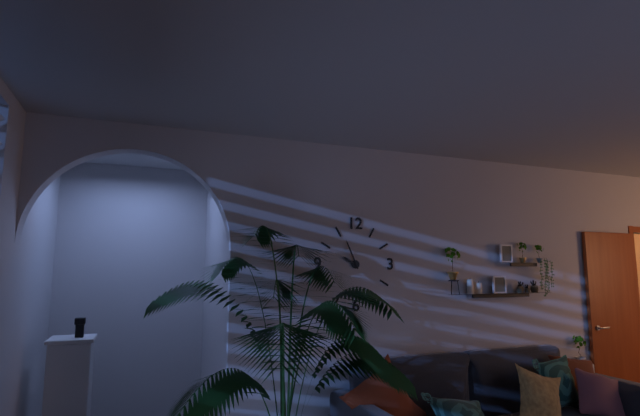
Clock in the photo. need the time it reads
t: 9:56
